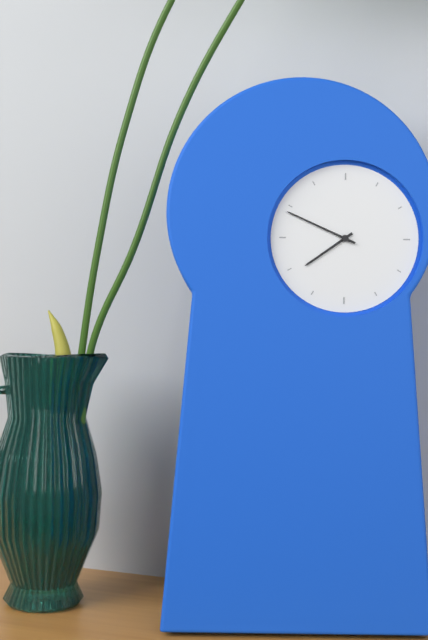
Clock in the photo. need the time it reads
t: 7:49
